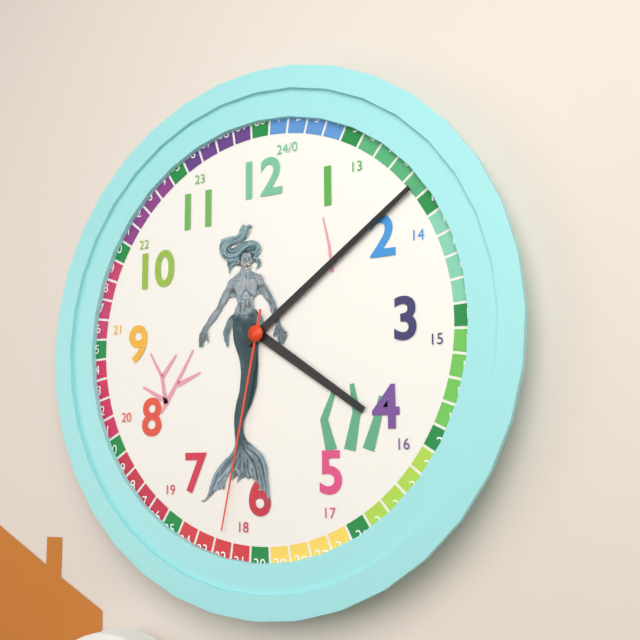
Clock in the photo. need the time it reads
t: 4:09:32
